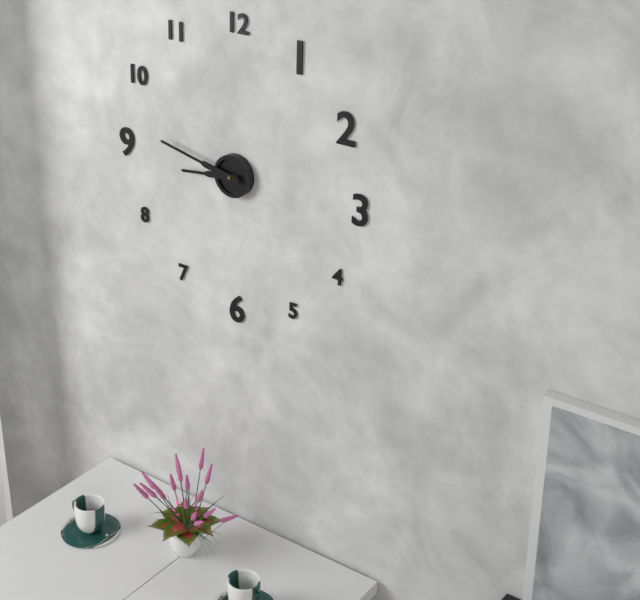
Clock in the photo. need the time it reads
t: 8:47
